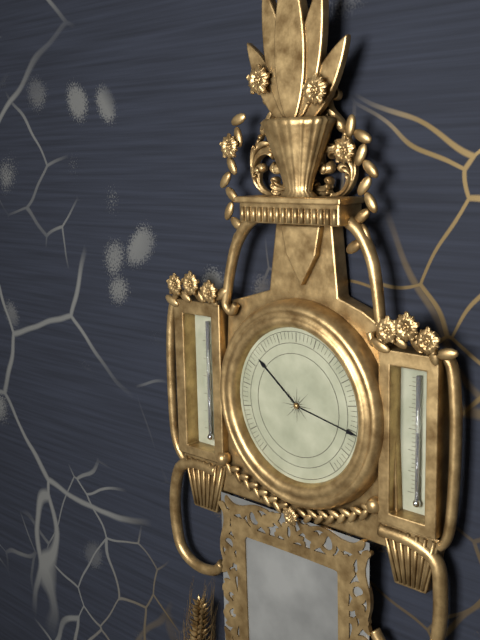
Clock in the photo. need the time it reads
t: 10:17
